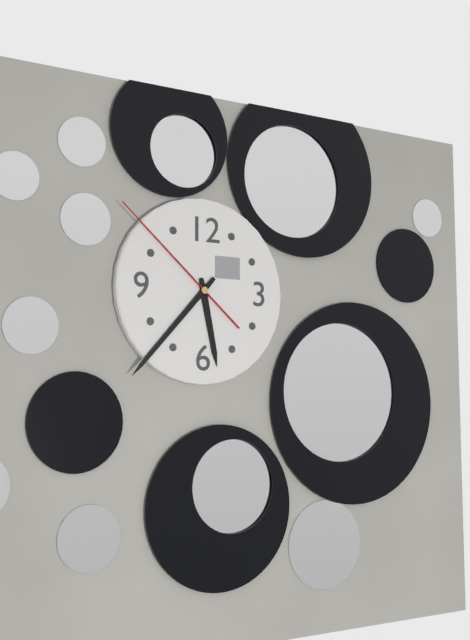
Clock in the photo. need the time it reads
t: 5:37:52
